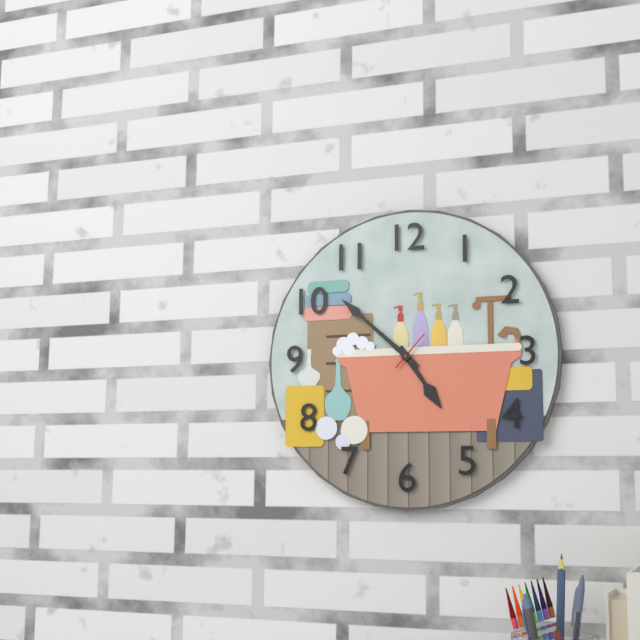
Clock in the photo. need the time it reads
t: 4:52
